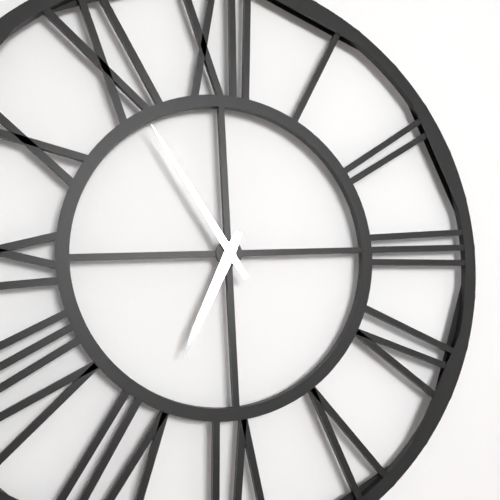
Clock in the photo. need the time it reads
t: 6:55
